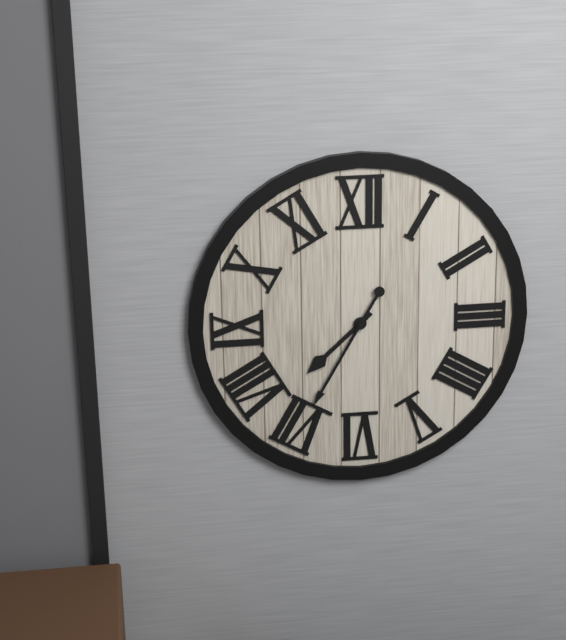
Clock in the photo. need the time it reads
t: 7:35
